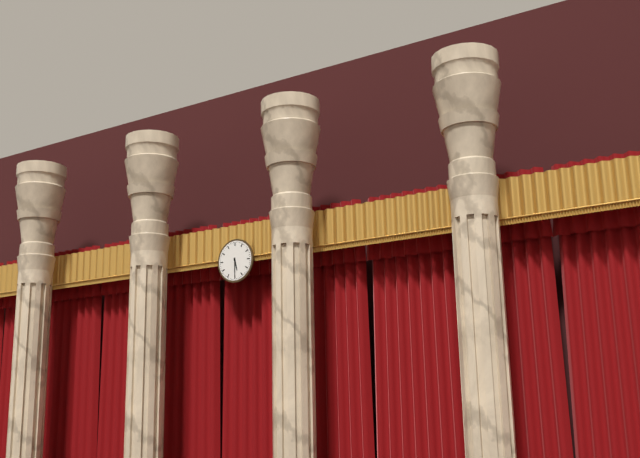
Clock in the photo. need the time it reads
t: 5:30
